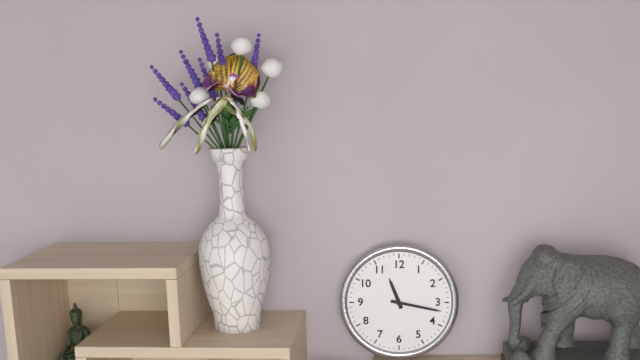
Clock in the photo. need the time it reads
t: 11:17
